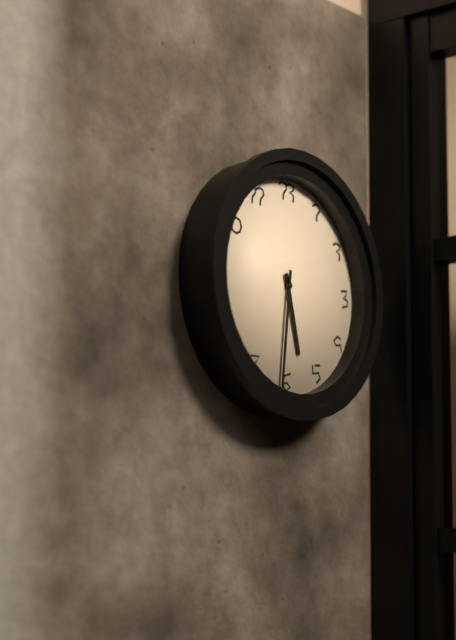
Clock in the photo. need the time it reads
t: 5:31
